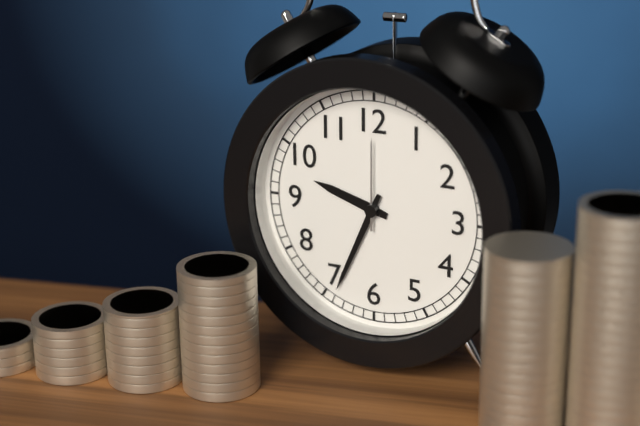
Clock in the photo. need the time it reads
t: 9:34:00
